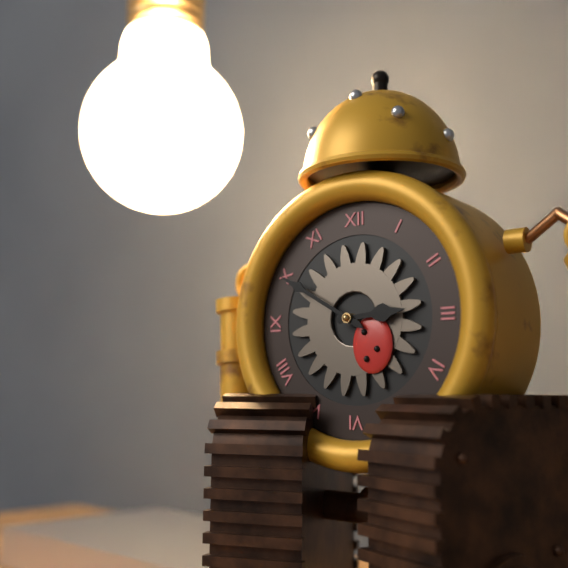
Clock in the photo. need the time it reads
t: 2:50
